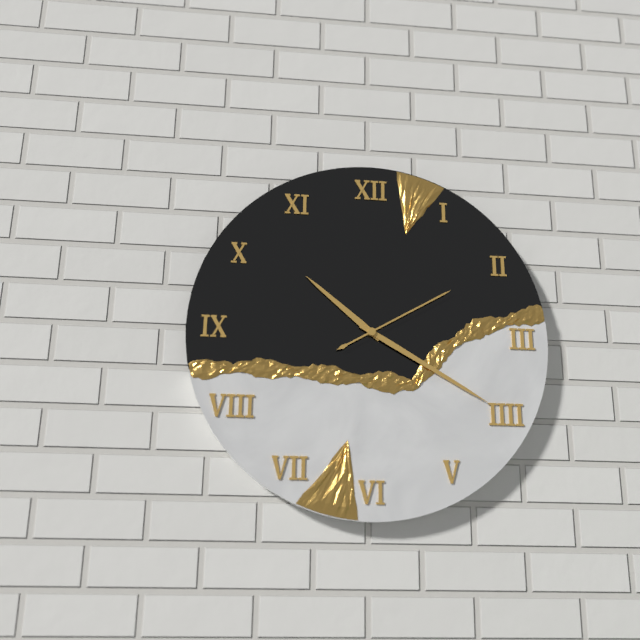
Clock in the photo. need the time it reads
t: 10:20:10
